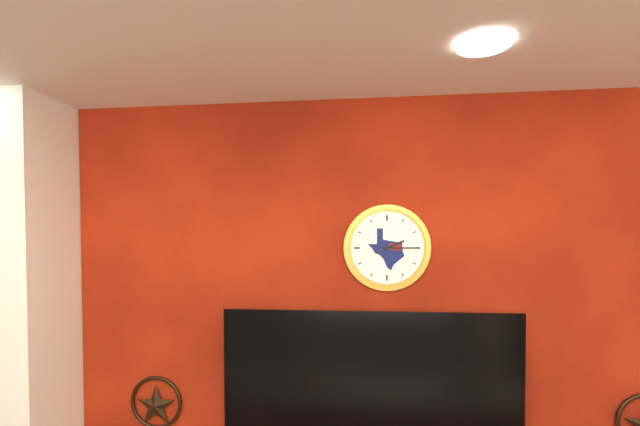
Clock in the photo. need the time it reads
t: 2:15
